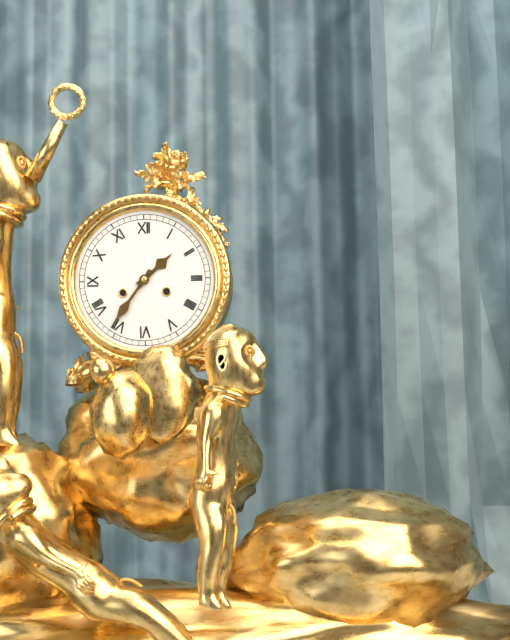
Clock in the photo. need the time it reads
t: 1:36
